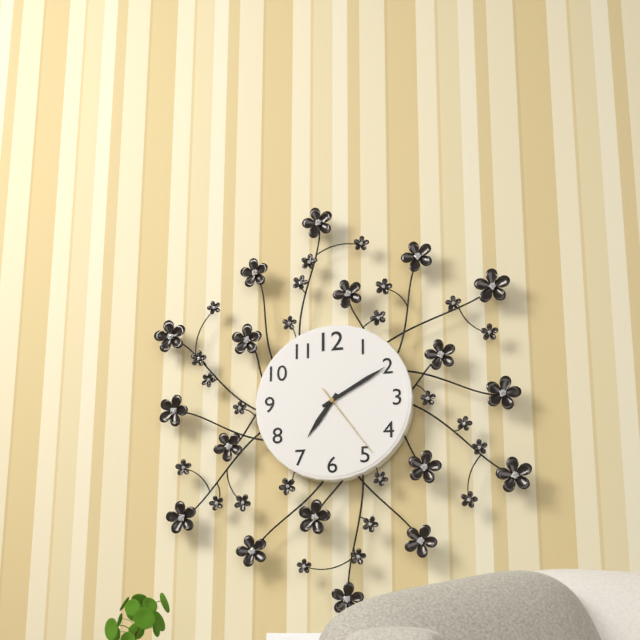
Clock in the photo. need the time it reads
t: 7:10:24
